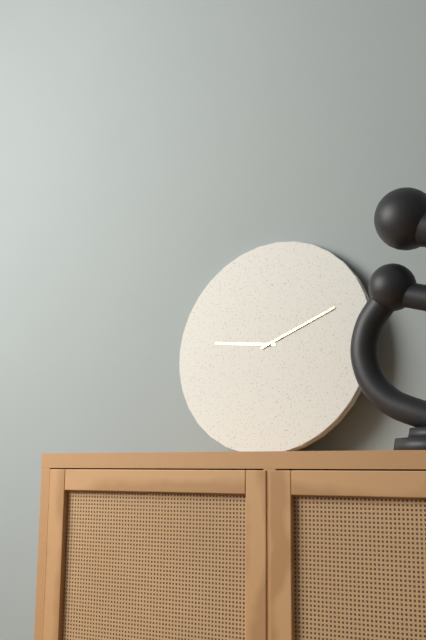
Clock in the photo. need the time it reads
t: 9:11
